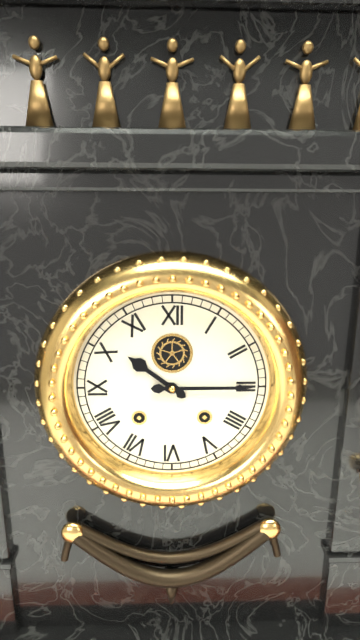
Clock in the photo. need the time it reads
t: 10:15
